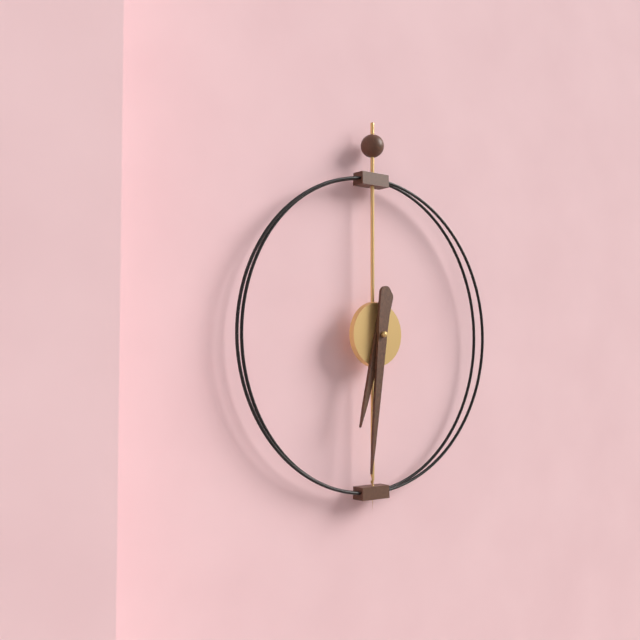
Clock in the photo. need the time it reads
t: 6:31
